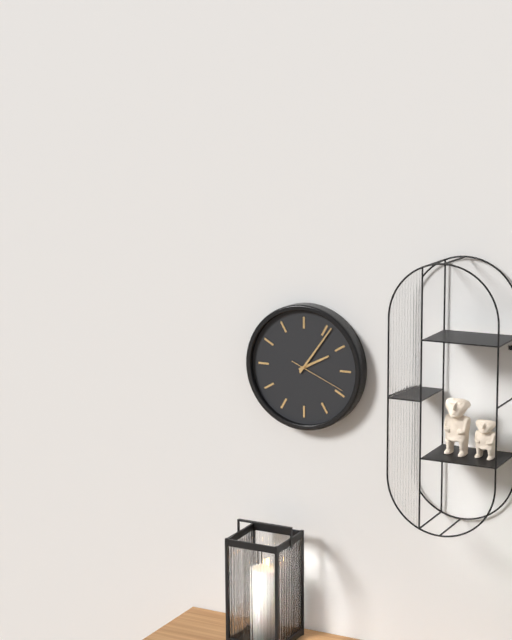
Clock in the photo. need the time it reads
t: 2:06:19
